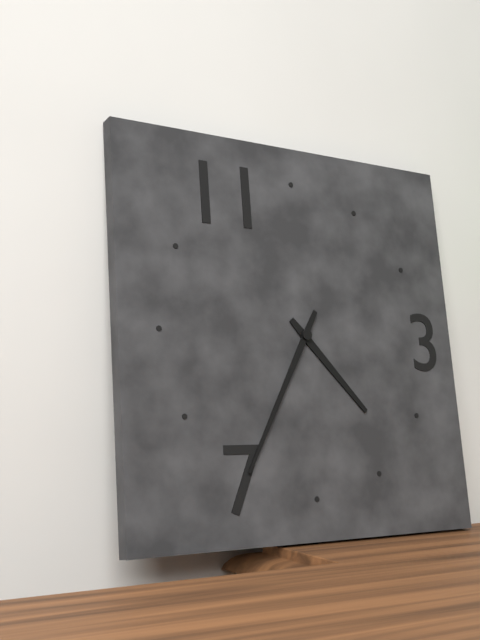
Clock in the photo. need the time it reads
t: 4:35
